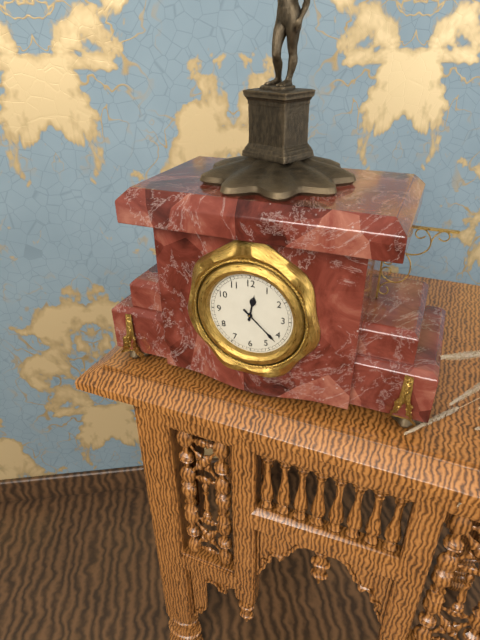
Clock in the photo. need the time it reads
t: 12:22
